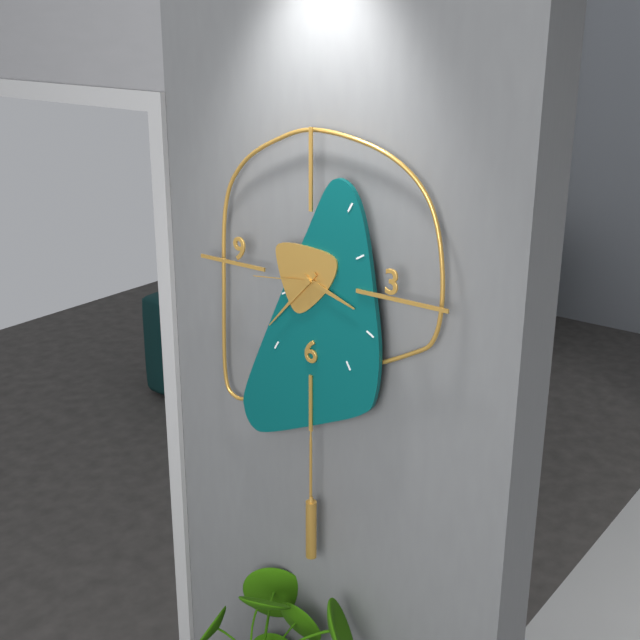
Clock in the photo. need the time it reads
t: 3:37:44
